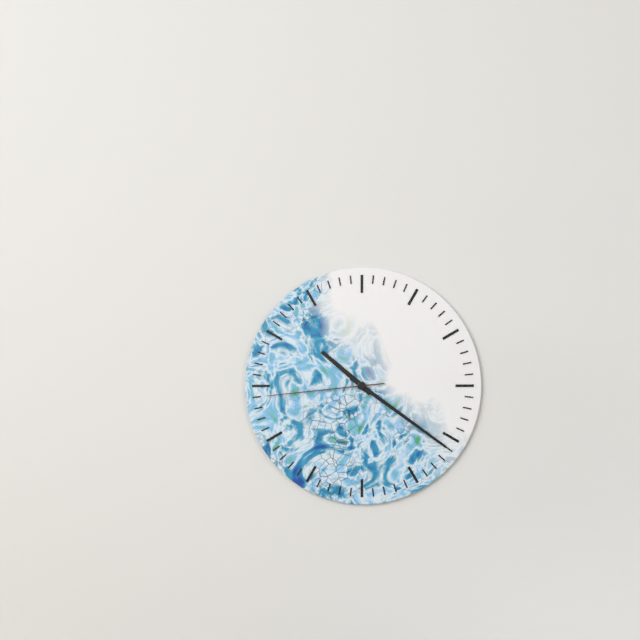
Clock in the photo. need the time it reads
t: 10:21:44
